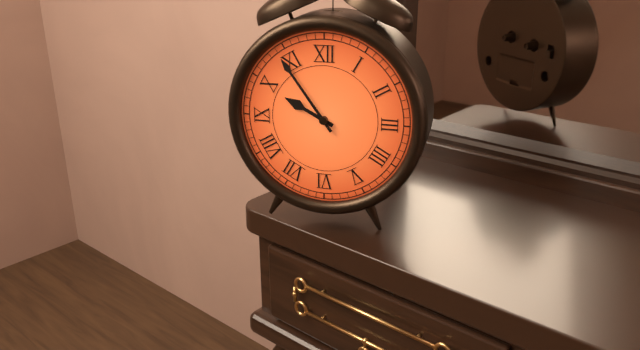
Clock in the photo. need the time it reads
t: 9:54
